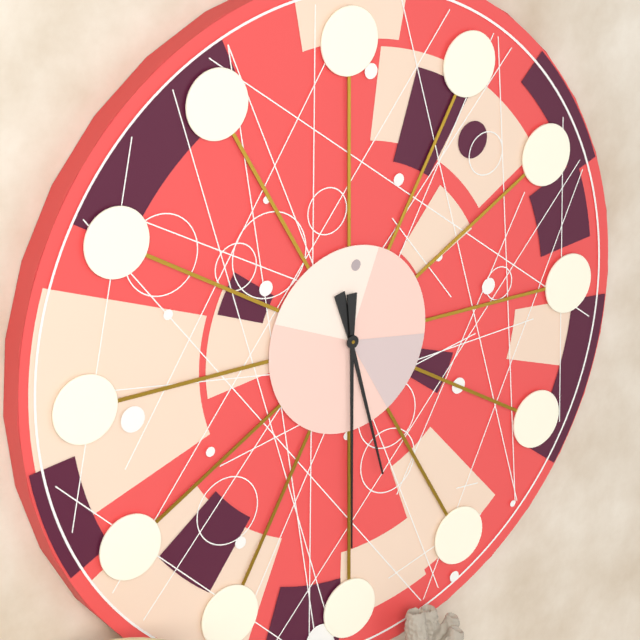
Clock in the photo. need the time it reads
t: 5:30
